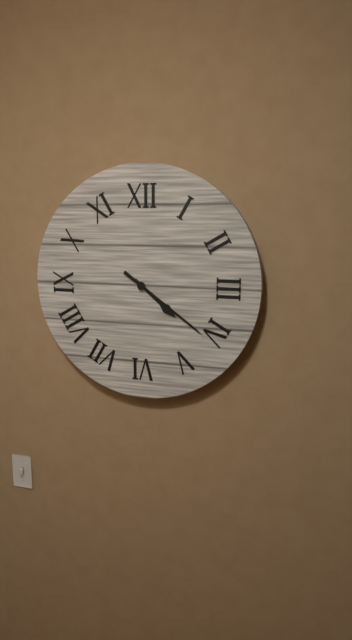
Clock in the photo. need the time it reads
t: 4:21
